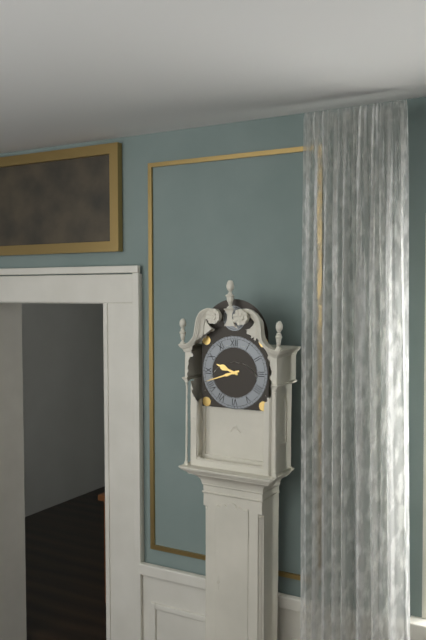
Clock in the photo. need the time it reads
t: 9:42
